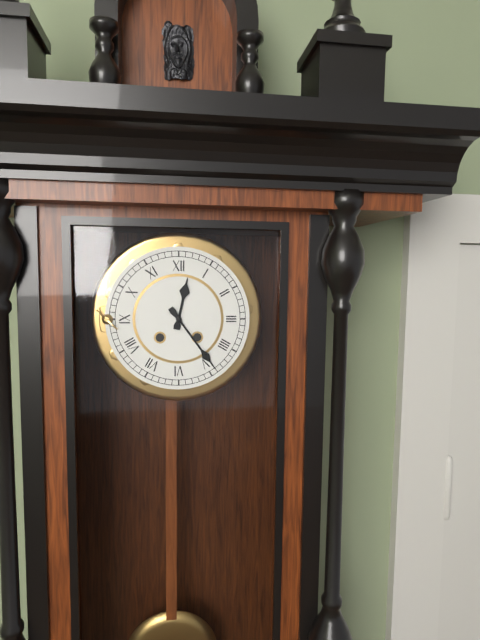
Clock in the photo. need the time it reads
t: 12:24
